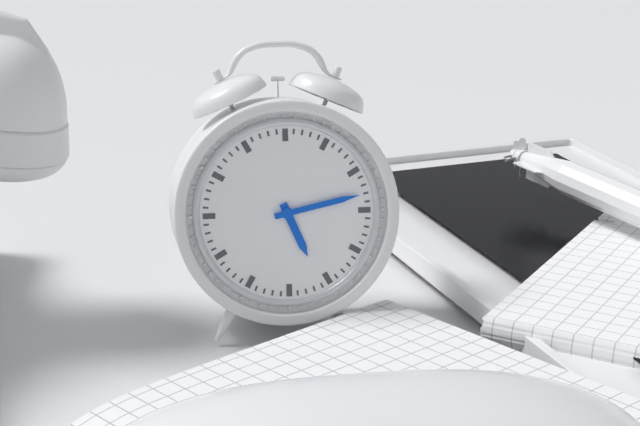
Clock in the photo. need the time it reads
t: 5:13
